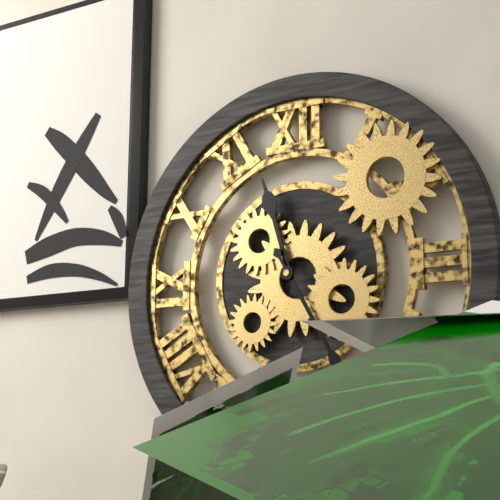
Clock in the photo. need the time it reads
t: 11:25
